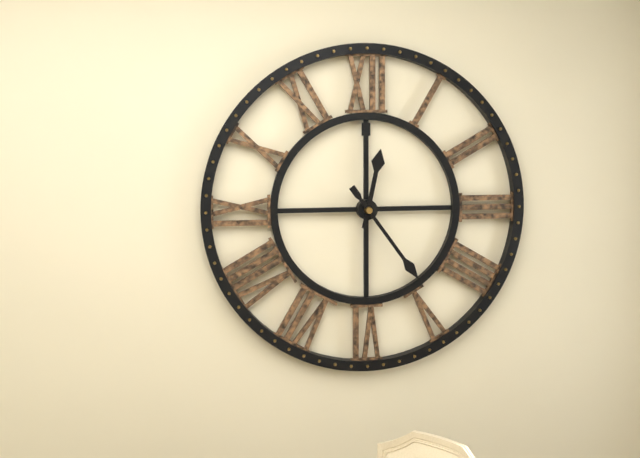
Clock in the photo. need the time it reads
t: 12:24
